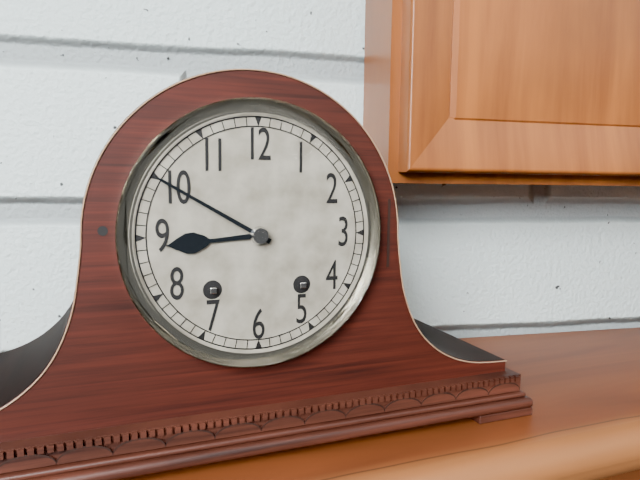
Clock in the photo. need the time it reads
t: 8:50
